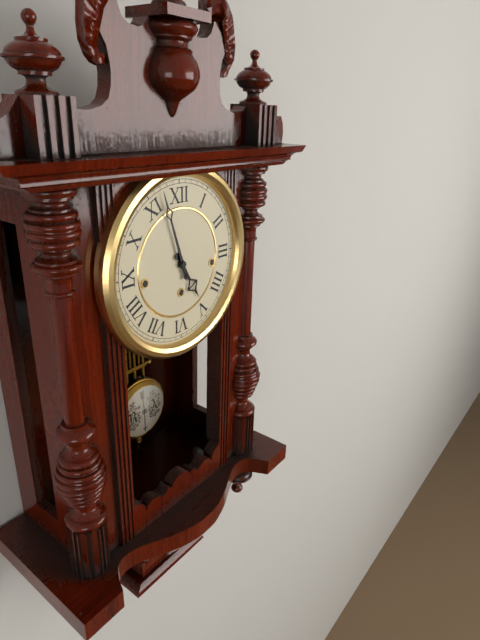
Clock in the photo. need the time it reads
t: 4:57
